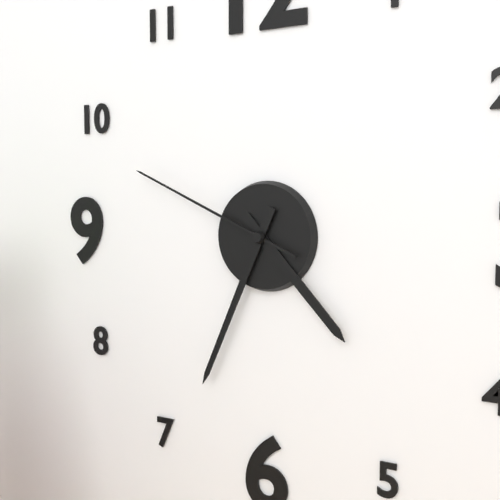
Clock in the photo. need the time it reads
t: 4:34:49
